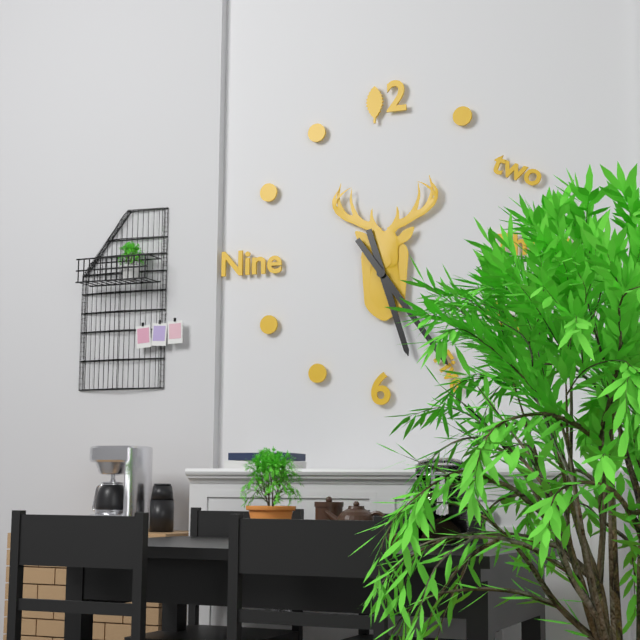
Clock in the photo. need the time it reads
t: 5:24
